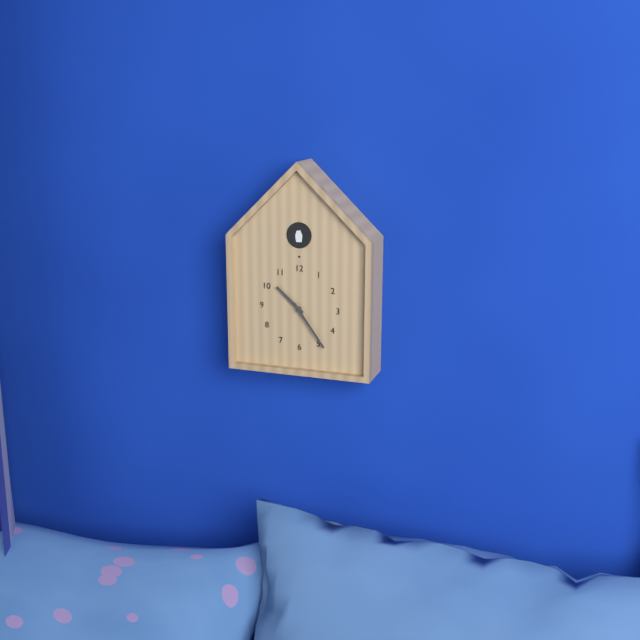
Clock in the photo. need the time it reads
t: 10:24
